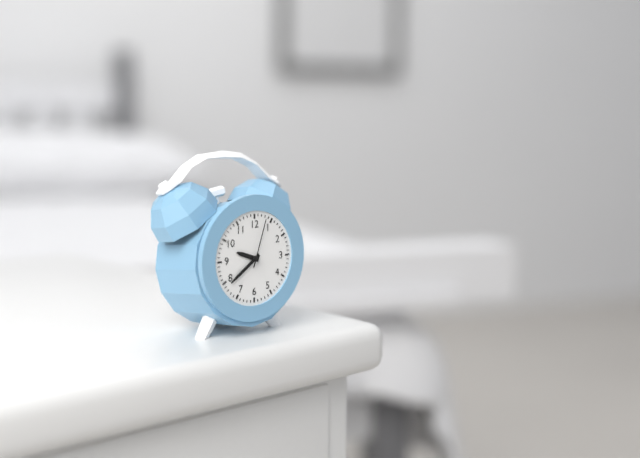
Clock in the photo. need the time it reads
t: 9:39:03
